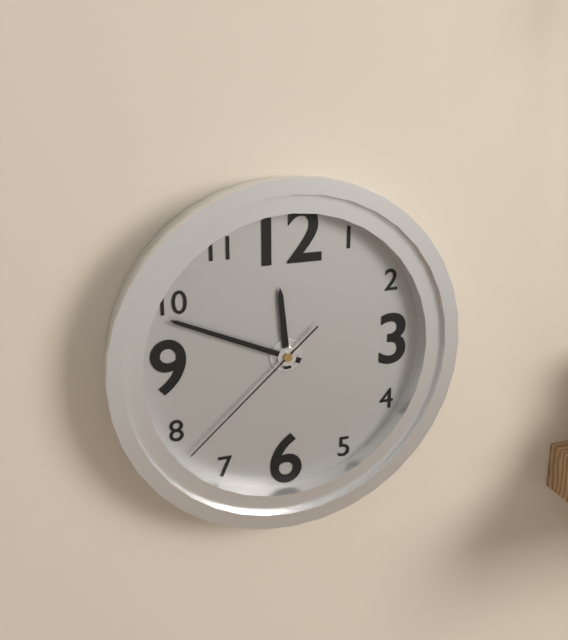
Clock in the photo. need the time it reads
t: 11:49:38
